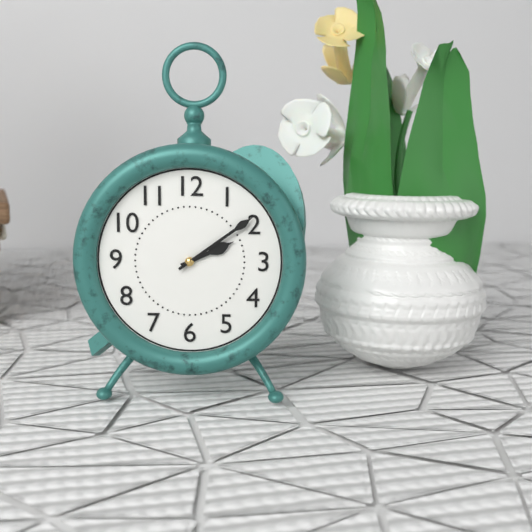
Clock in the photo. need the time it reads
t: 2:09
